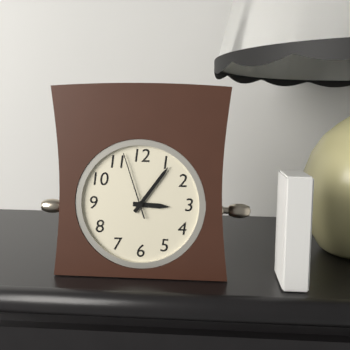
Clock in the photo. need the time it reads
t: 3:06:57
